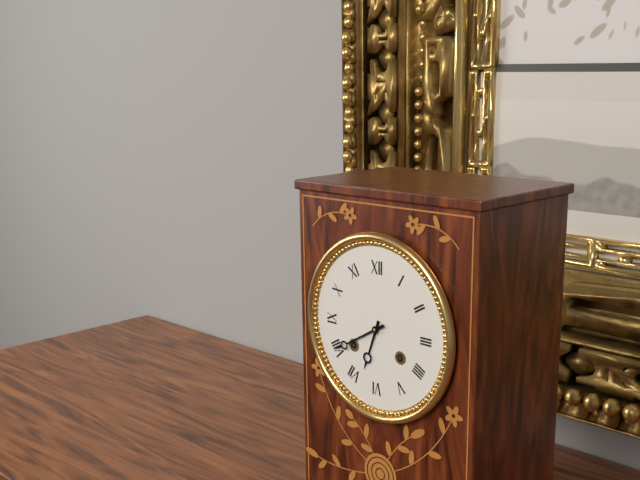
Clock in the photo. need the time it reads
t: 6:40
